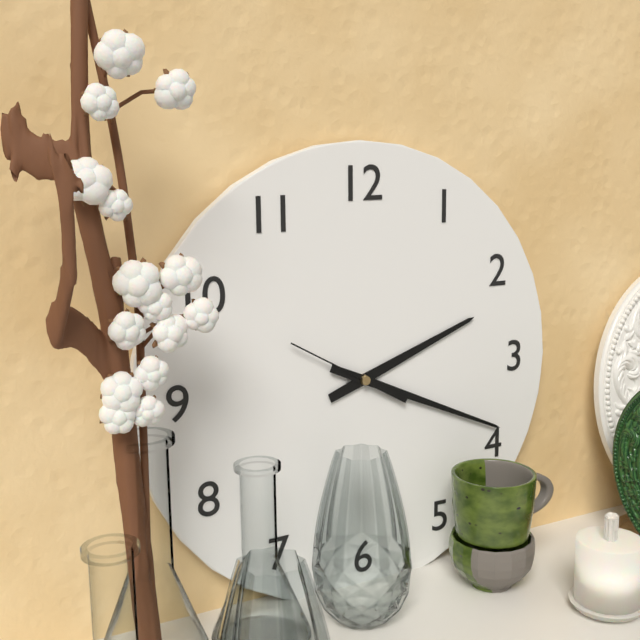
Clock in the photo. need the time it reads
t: 2:19:50
